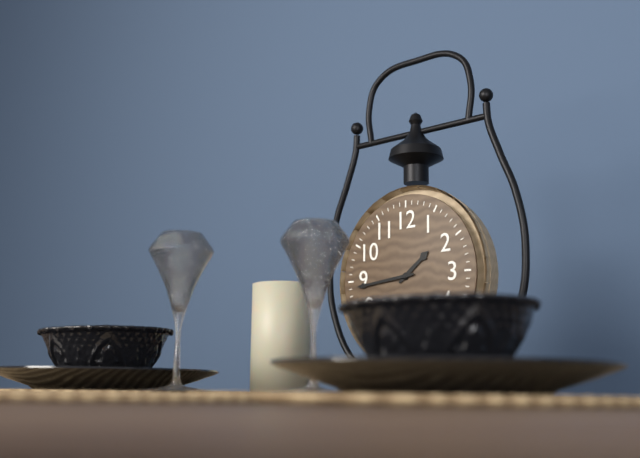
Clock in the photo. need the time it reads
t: 1:44
